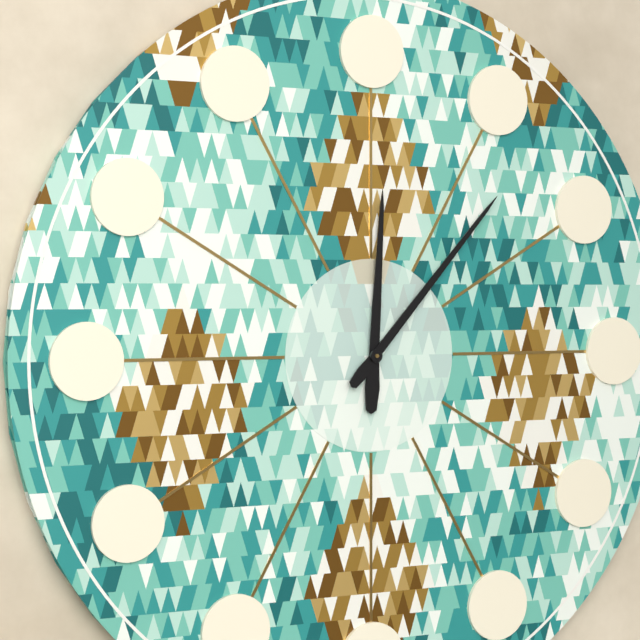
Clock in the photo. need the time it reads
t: 12:07
